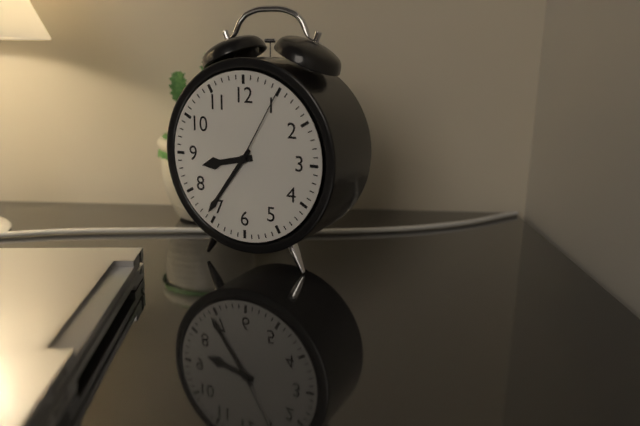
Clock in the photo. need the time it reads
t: 8:36:05
